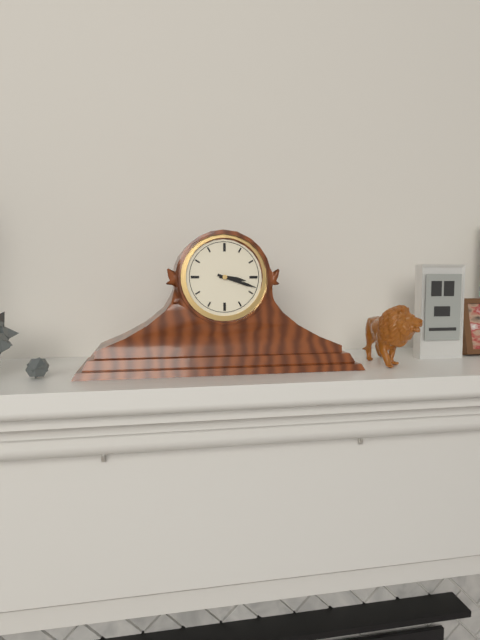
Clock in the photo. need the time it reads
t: 3:18
